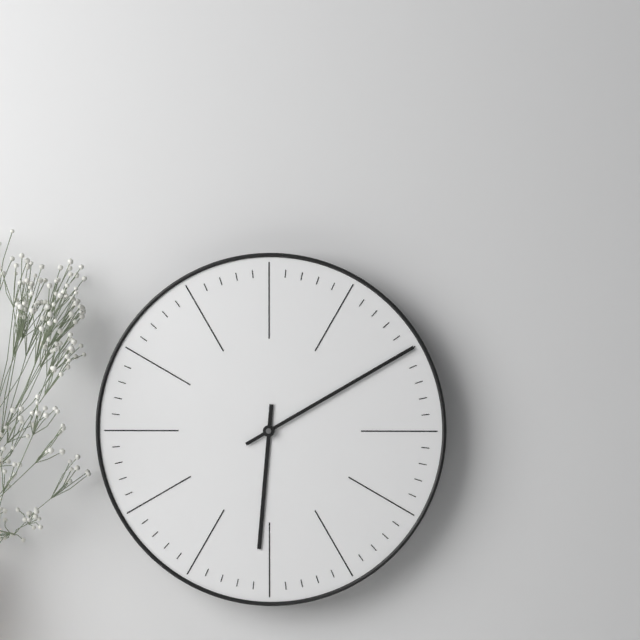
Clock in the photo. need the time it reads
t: 6:10
